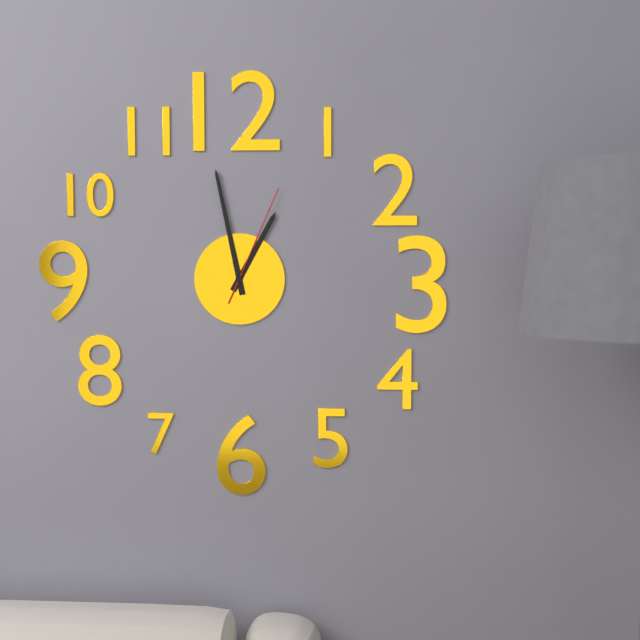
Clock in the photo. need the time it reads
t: 12:58:04
